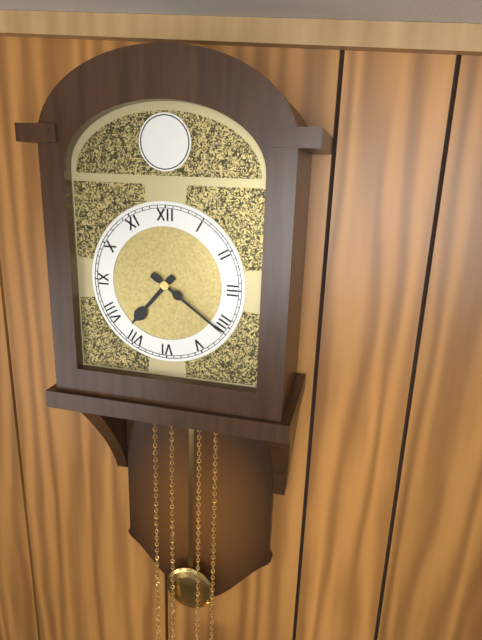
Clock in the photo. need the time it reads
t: 7:21
